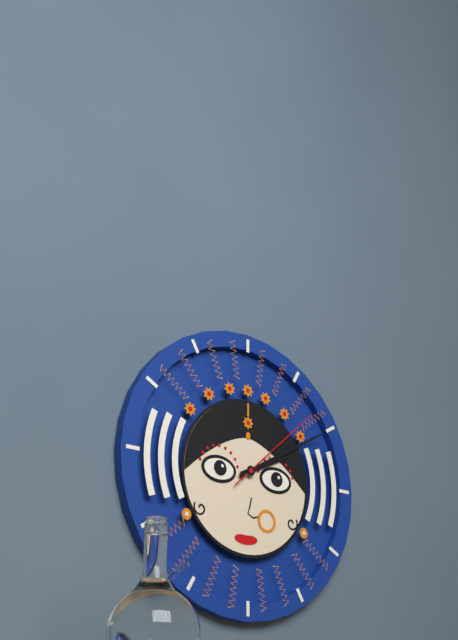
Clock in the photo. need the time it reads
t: 2:10:08
